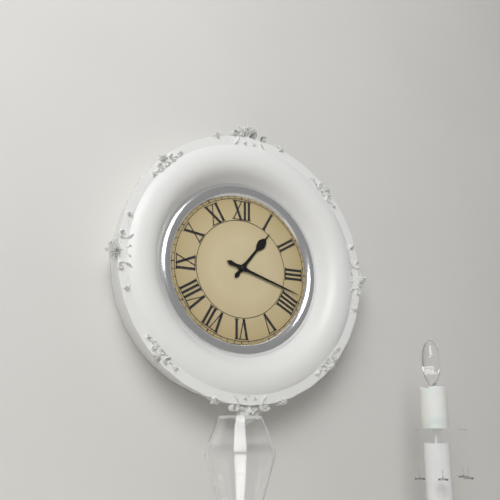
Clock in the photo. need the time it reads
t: 1:18
